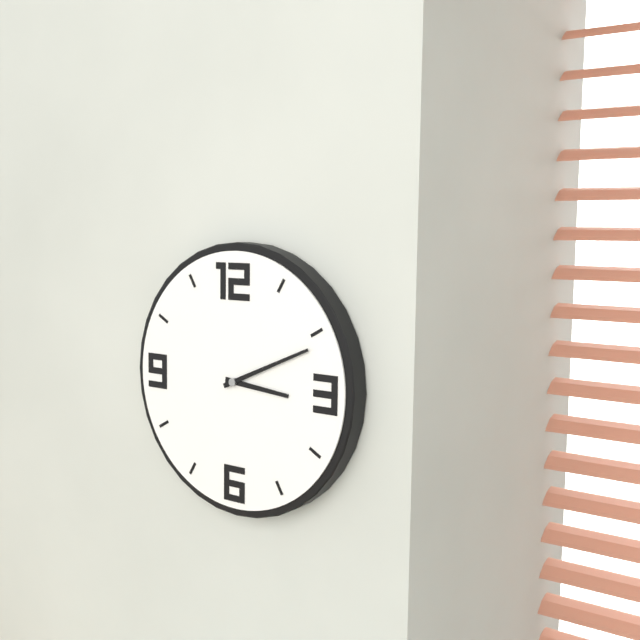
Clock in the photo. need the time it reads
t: 3:11
